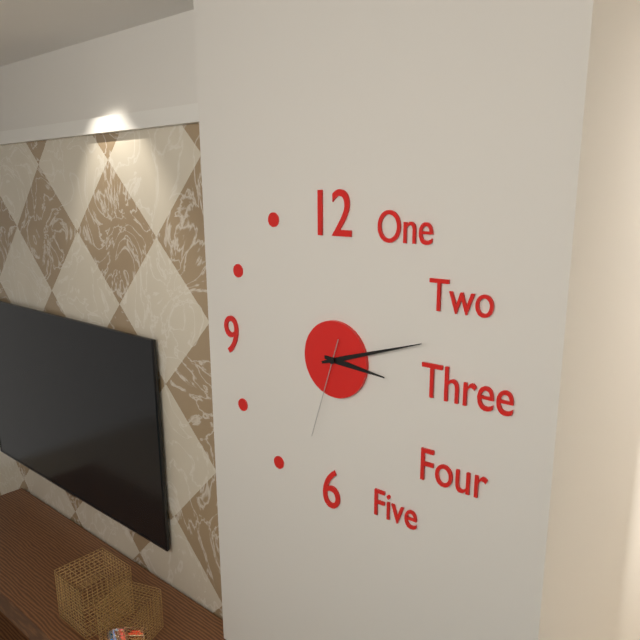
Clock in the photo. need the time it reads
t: 3:12:33
